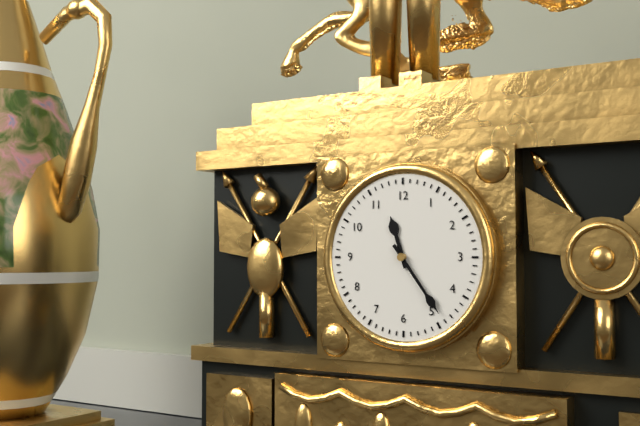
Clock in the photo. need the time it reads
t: 11:24
